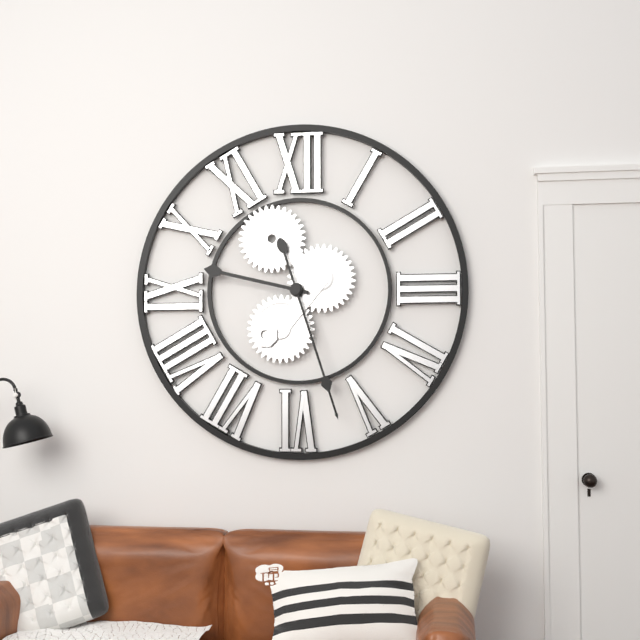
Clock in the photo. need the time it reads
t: 9:27
